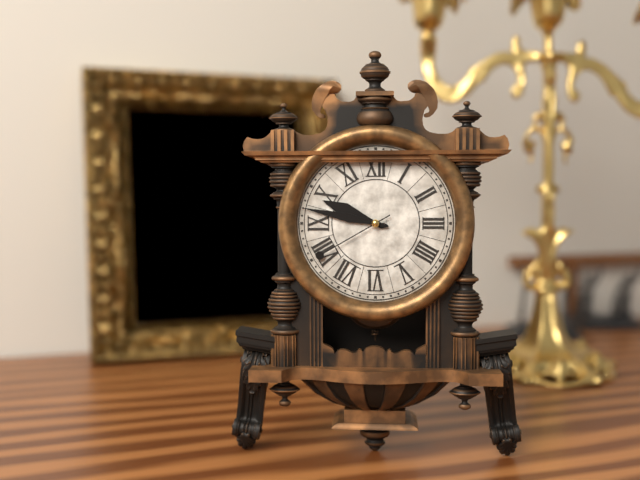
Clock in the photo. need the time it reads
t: 9:47:40
